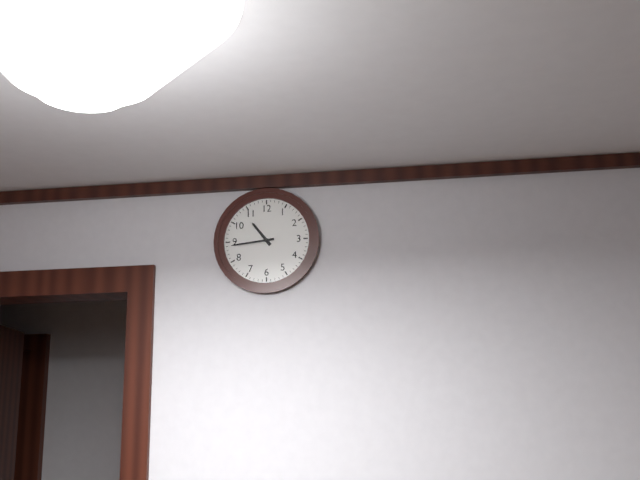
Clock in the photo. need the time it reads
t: 10:44
